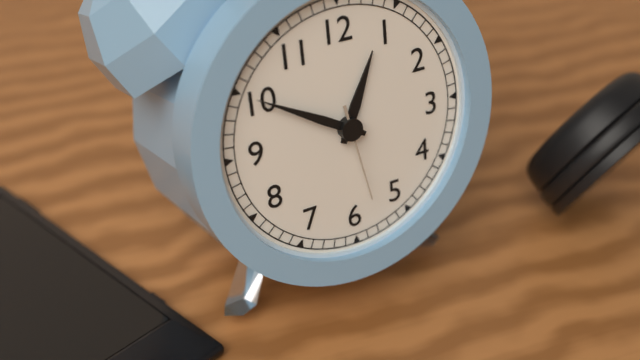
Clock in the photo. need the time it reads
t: 12:50:28
